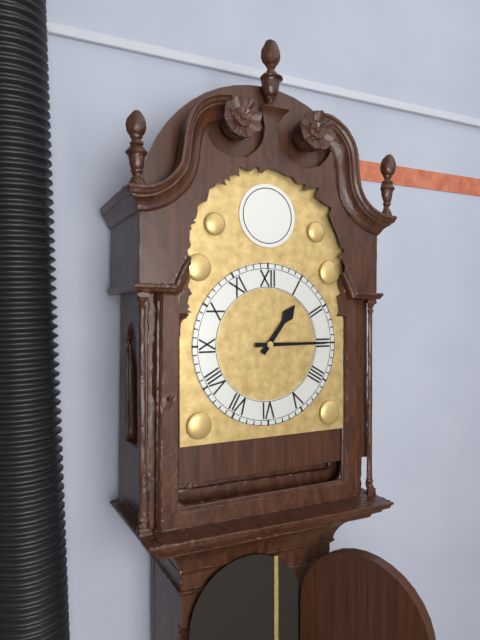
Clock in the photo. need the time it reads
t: 1:15
